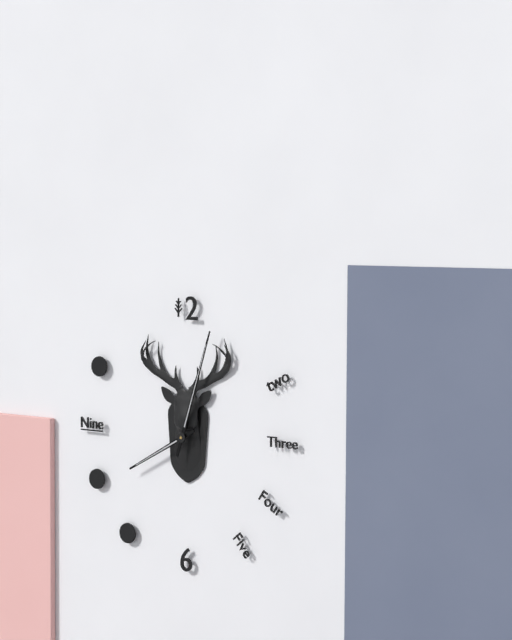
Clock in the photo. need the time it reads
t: 8:03
